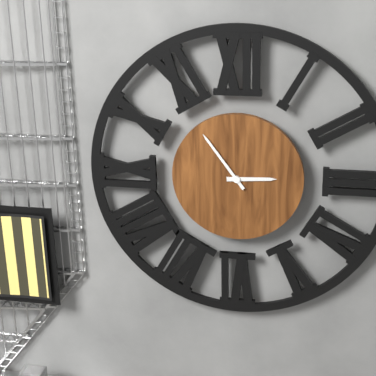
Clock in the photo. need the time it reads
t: 2:54
